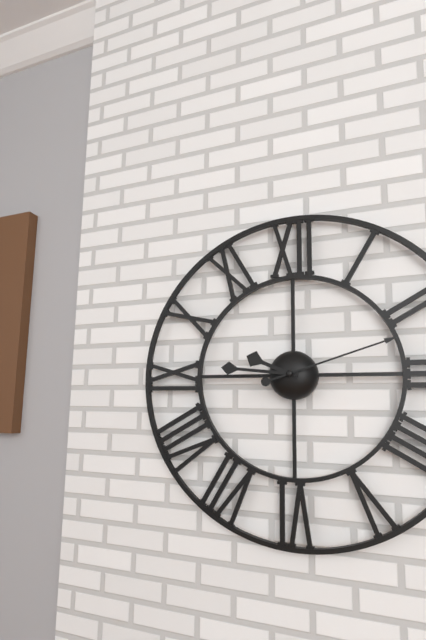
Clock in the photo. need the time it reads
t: 9:46:12
